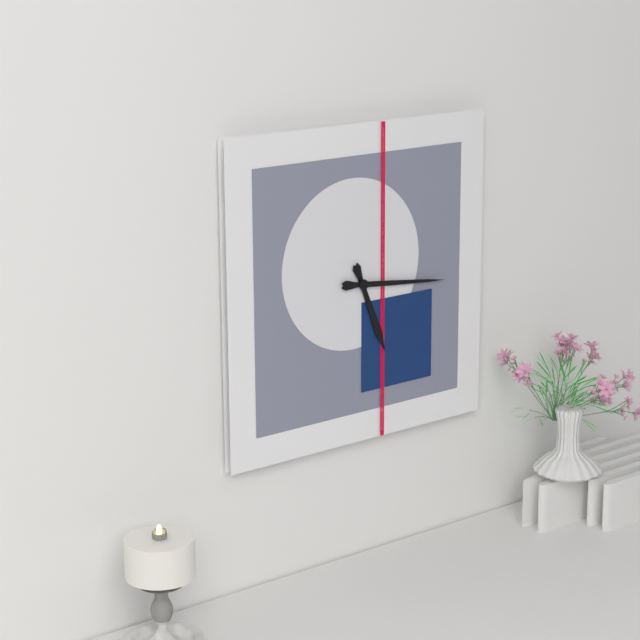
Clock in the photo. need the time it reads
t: 5:16
